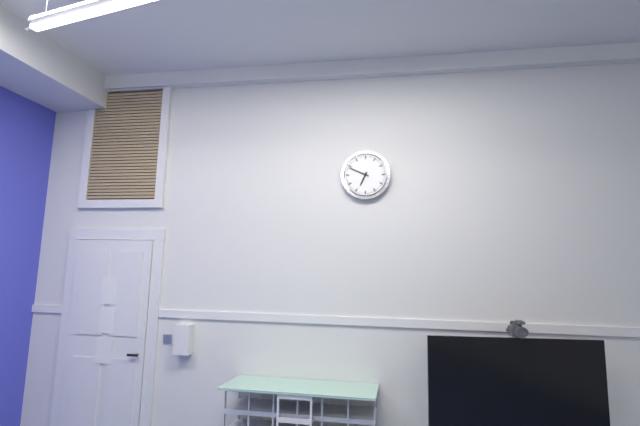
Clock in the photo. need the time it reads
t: 6:49
